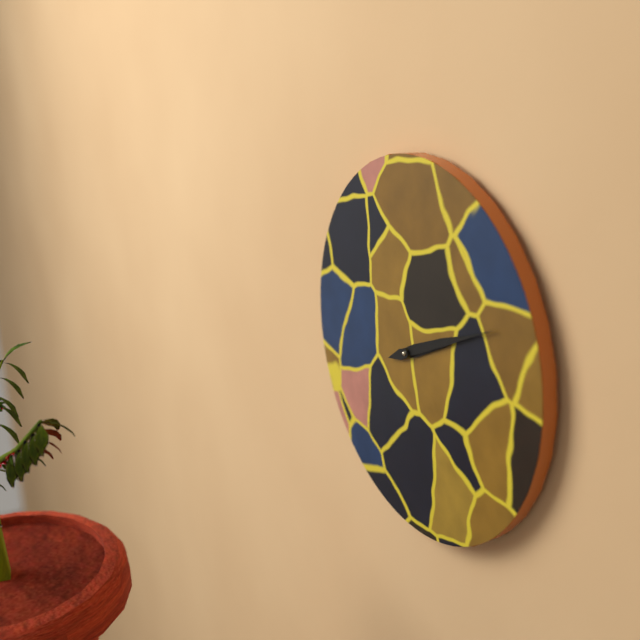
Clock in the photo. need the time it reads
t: 2:11
